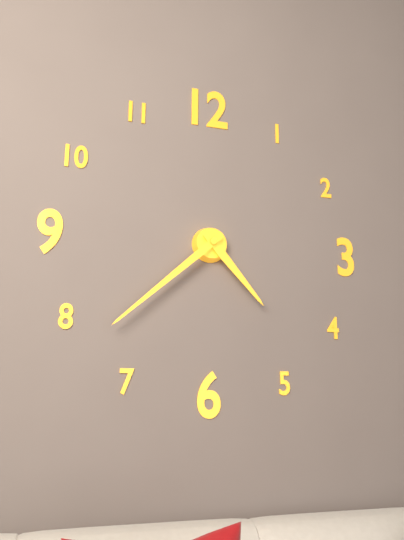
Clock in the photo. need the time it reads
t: 4:38
